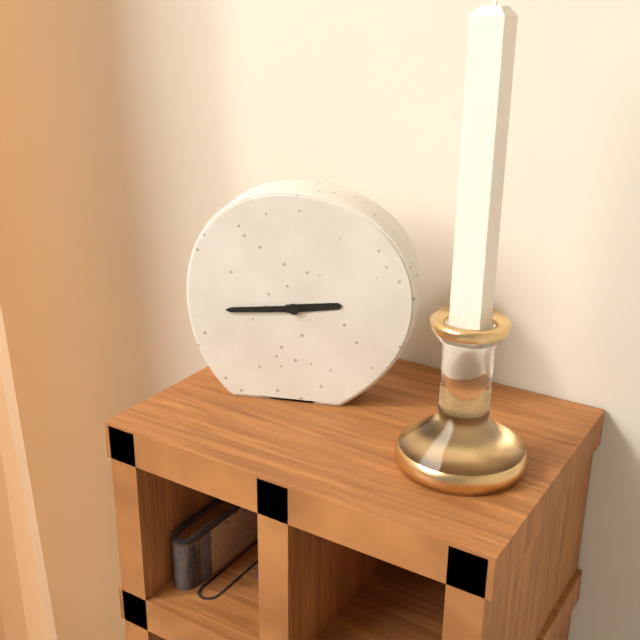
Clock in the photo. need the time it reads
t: 2:44
